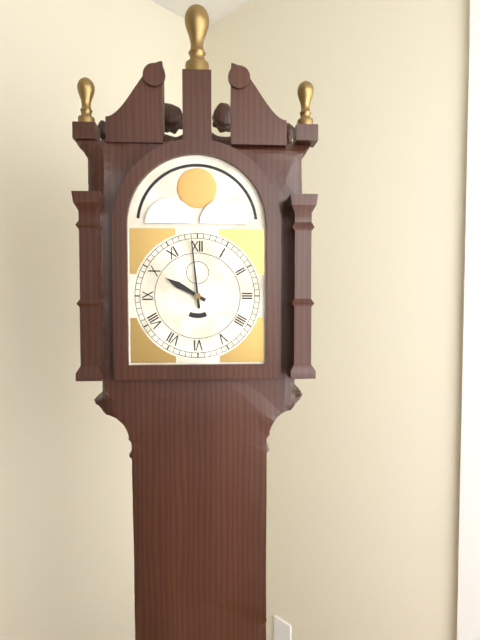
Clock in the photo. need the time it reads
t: 9:59
